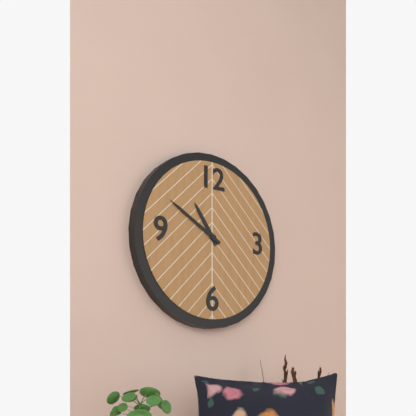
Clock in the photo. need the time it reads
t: 10:50
